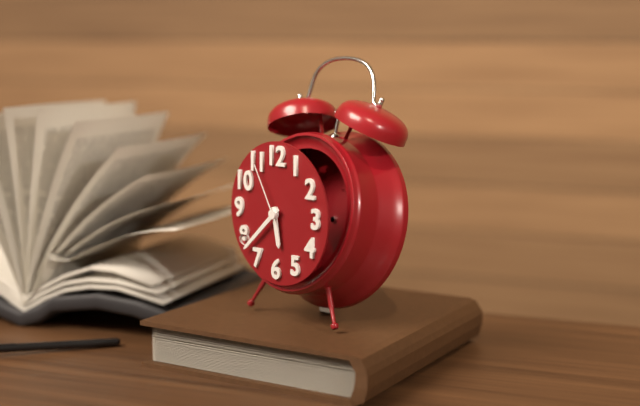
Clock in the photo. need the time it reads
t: 5:38:55
